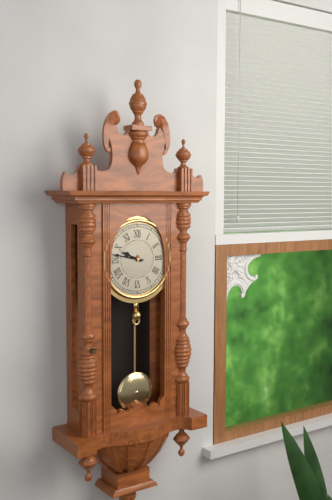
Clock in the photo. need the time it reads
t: 9:47
